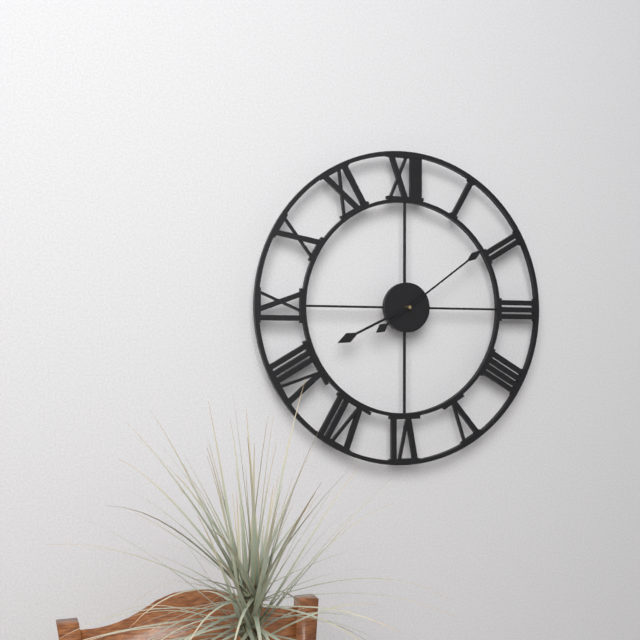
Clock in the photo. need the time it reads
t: 8:09
